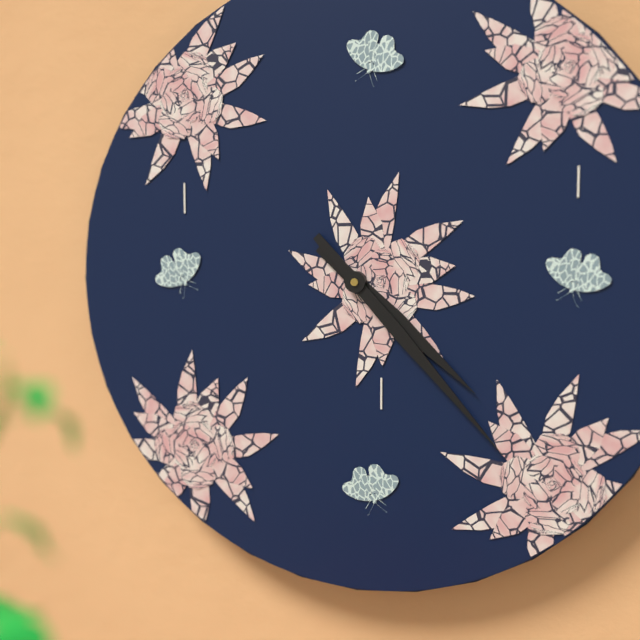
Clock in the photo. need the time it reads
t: 4:23
